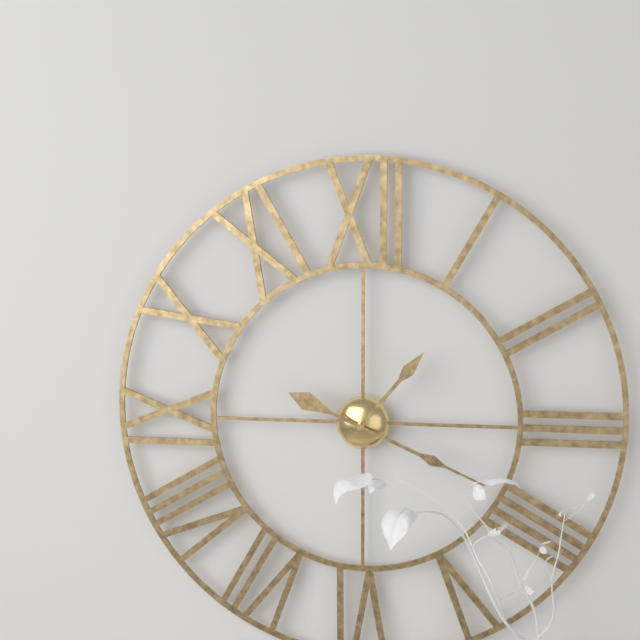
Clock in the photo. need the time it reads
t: 1:19
